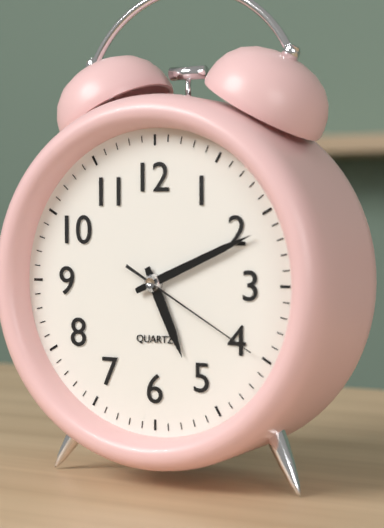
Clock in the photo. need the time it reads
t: 5:11:20
